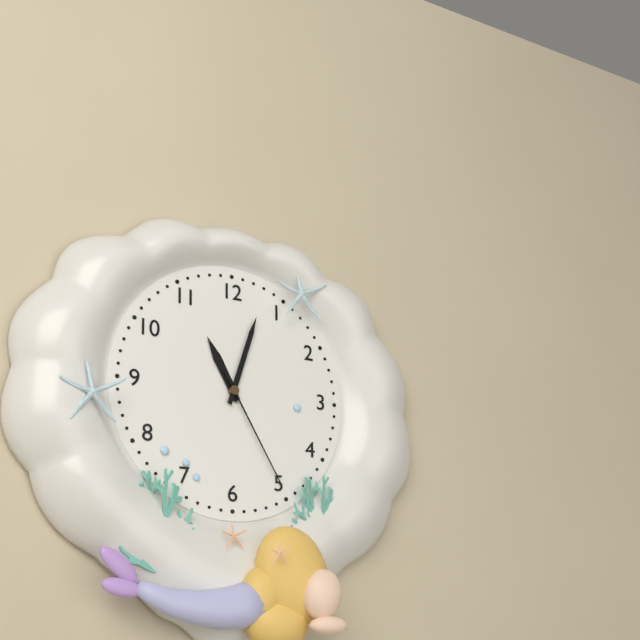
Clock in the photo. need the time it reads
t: 11:03:25
